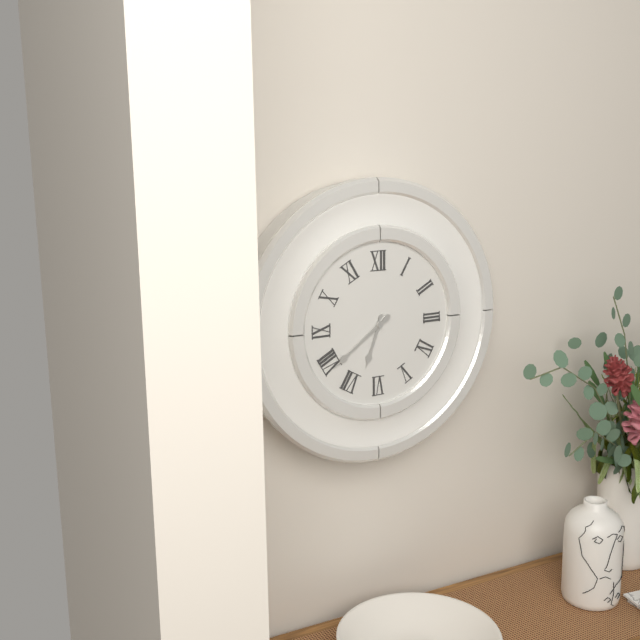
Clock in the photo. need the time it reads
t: 6:39
